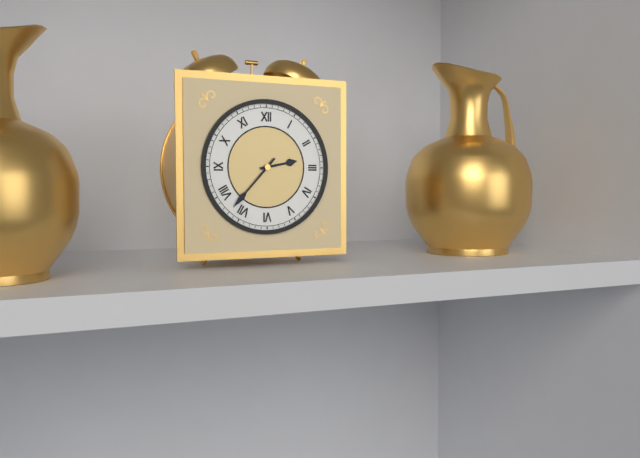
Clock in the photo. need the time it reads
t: 2:37
